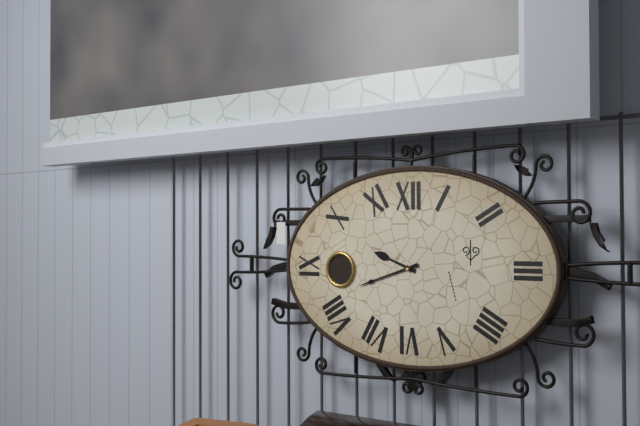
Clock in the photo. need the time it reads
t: 9:42
